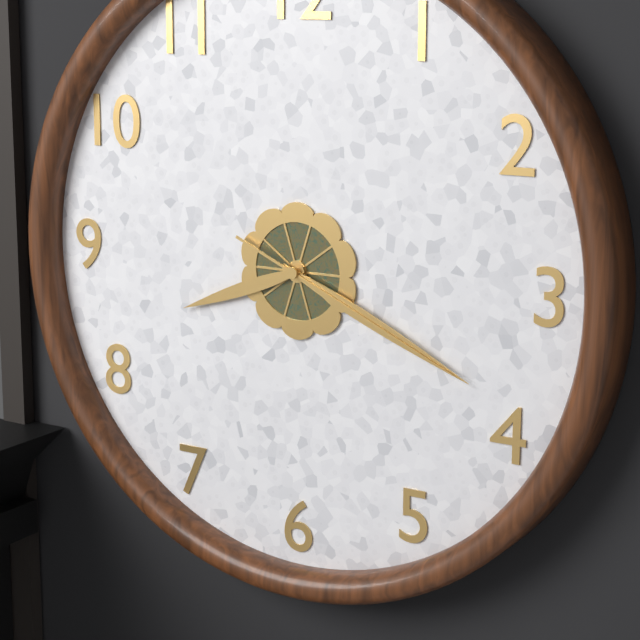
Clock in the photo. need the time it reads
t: 8:19:19
